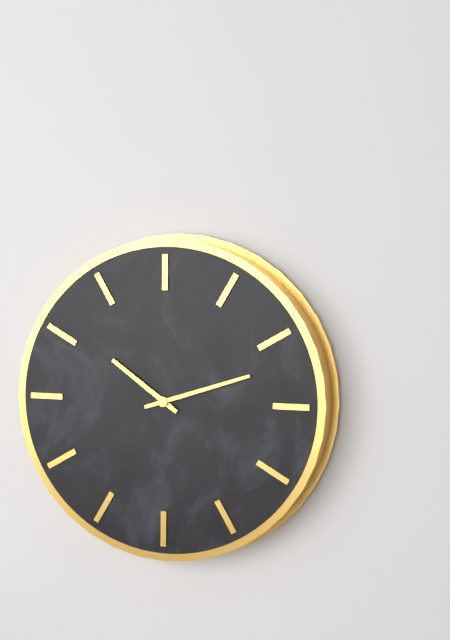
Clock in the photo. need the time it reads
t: 10:12
